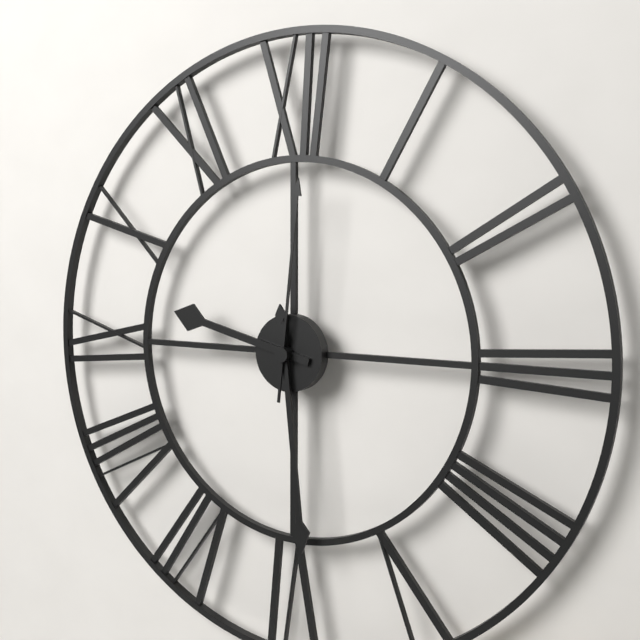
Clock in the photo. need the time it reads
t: 9:29:01
